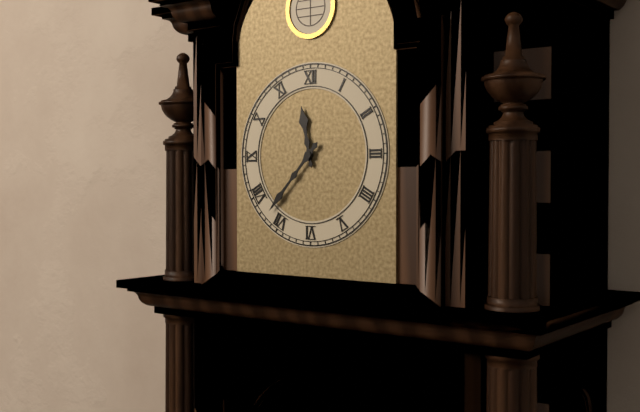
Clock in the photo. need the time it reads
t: 11:37
